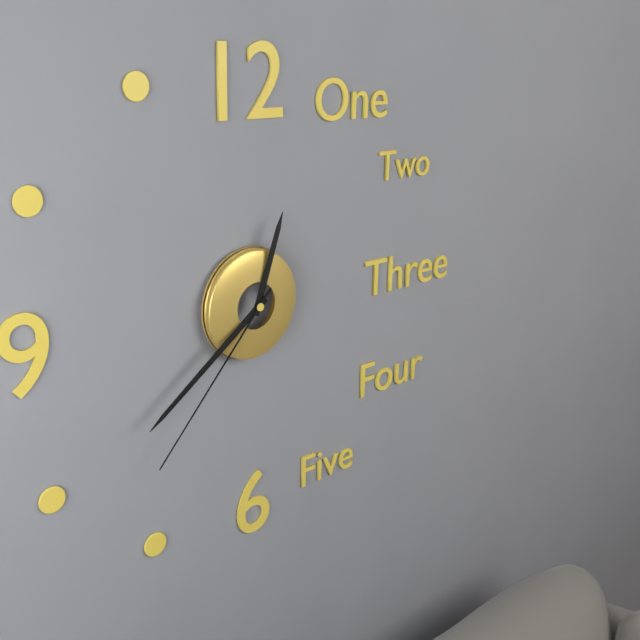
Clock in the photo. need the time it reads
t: 12:39:37
